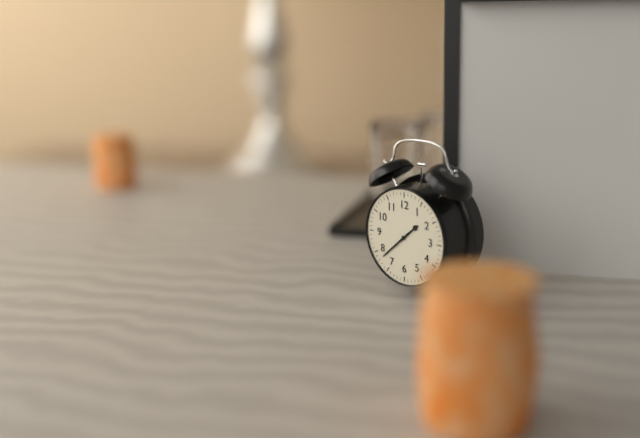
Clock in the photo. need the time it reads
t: 1:38
